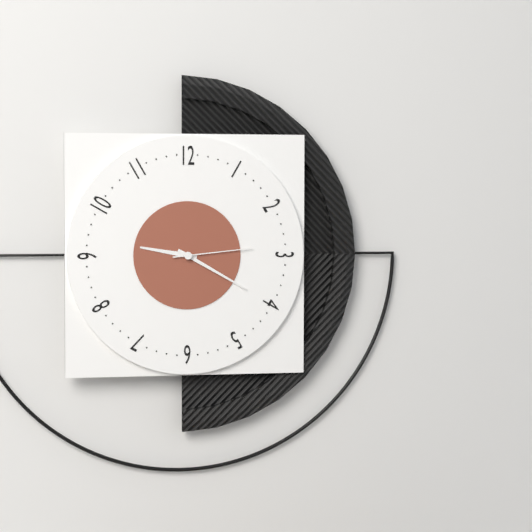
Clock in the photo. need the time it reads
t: 9:20:14
